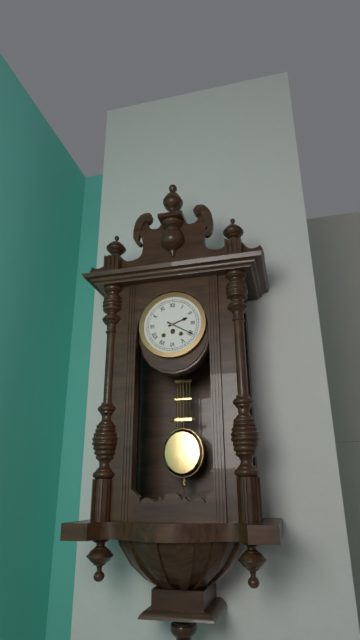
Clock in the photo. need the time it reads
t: 2:20
